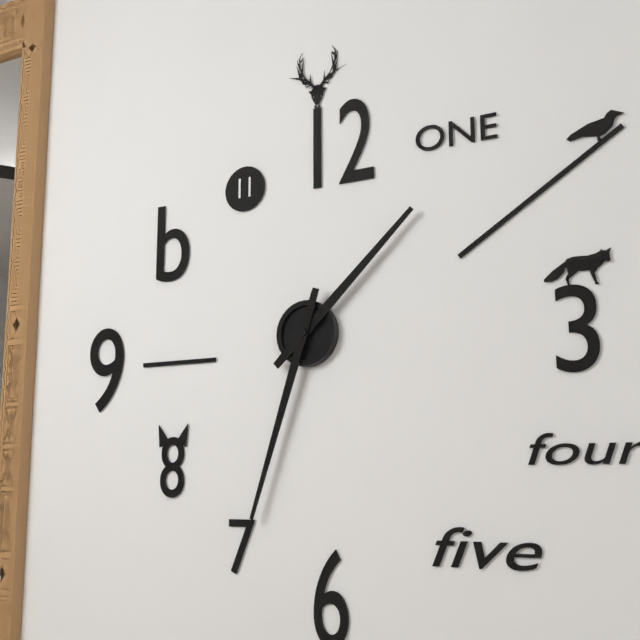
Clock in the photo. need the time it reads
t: 1:33
